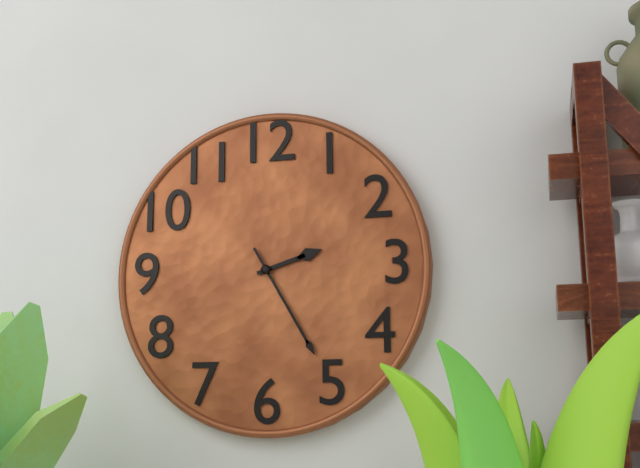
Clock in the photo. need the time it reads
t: 2:25
